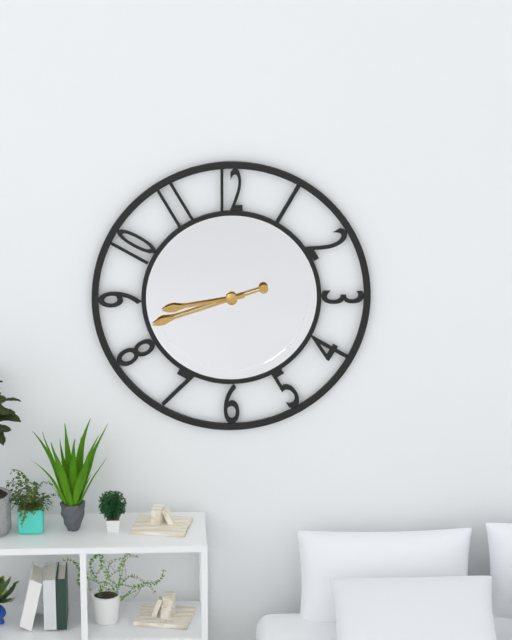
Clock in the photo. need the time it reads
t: 8:42
